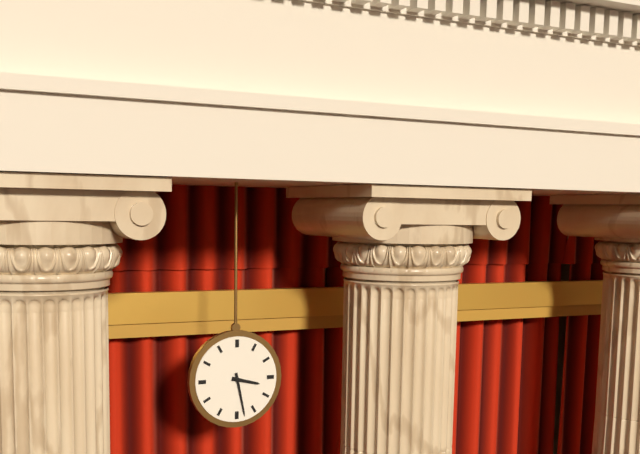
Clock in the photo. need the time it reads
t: 3:28
